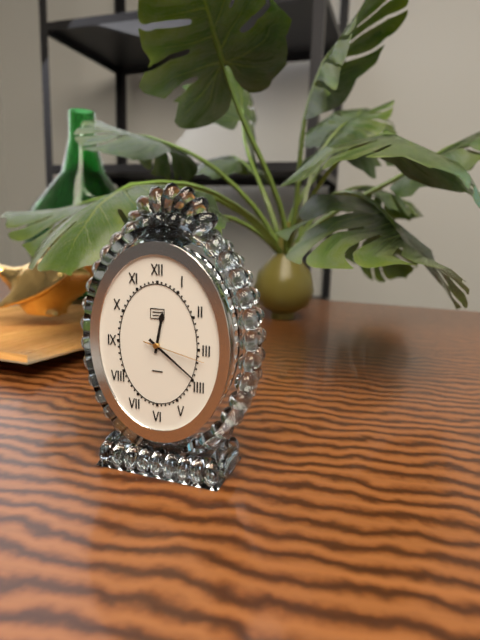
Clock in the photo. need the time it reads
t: 12:21:17
